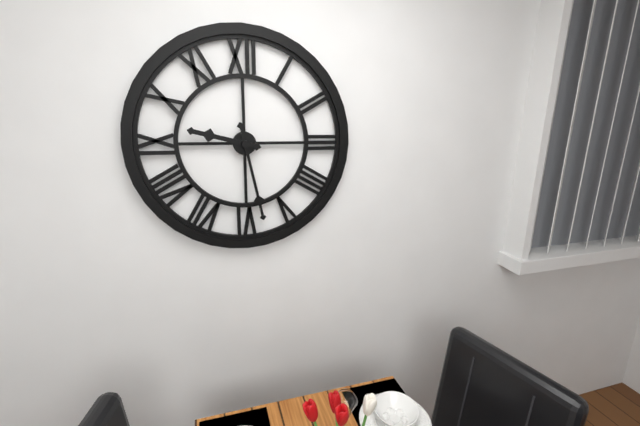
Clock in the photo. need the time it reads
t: 9:28
